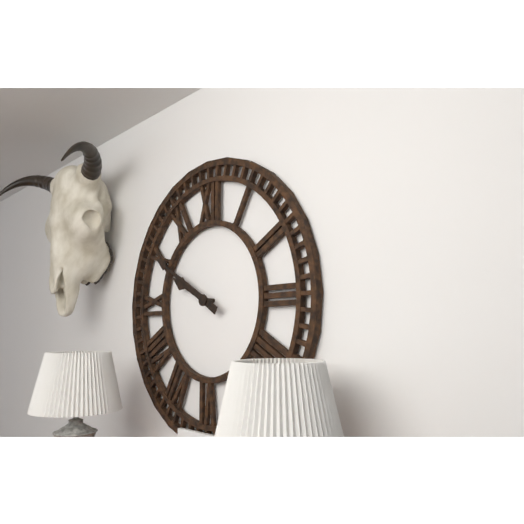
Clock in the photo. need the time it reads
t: 9:50
